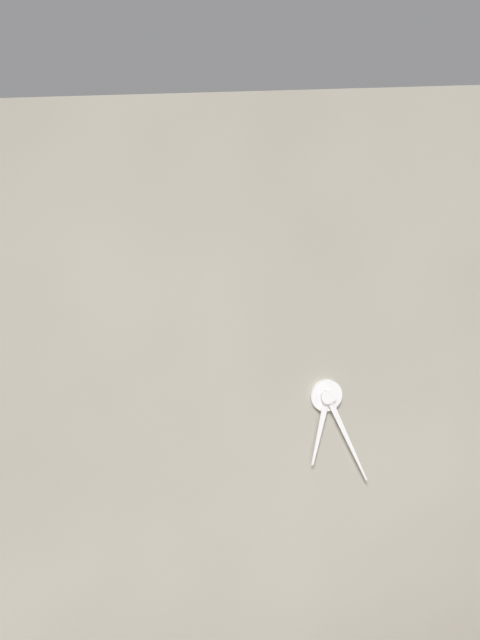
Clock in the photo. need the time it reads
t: 6:26
